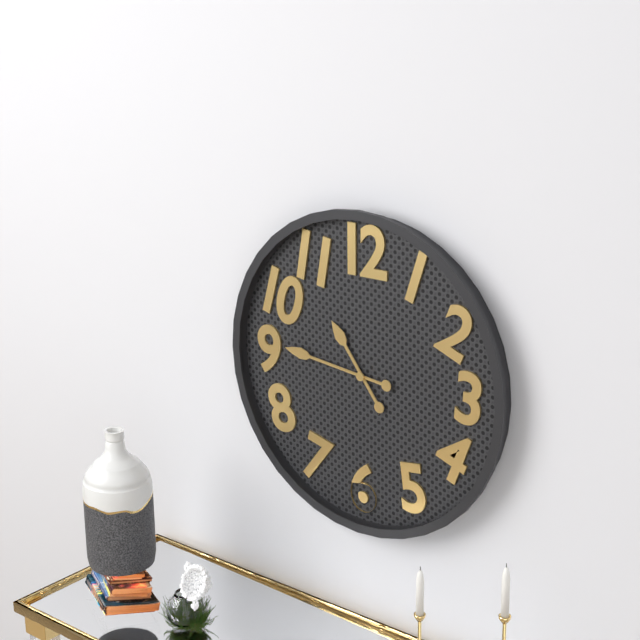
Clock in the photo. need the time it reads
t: 10:46
